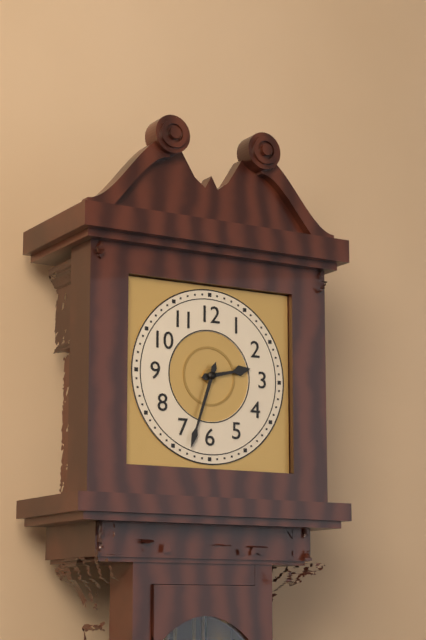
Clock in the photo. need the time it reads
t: 2:33
